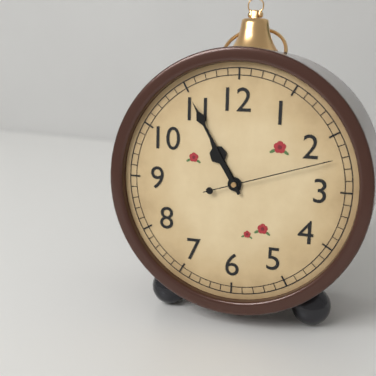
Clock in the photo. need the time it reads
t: 10:55:12
